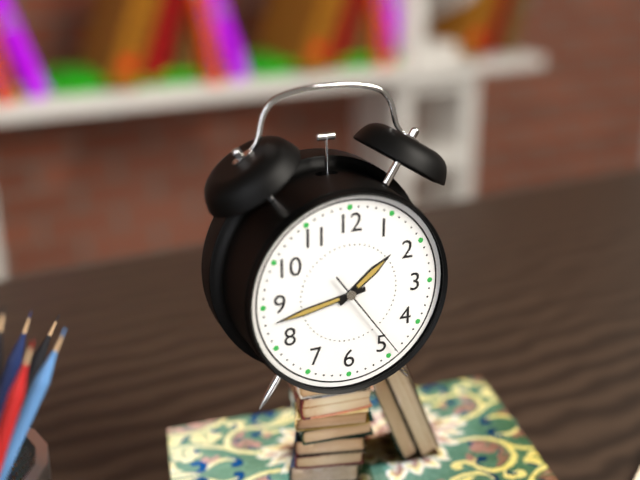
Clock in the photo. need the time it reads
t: 1:43:24
